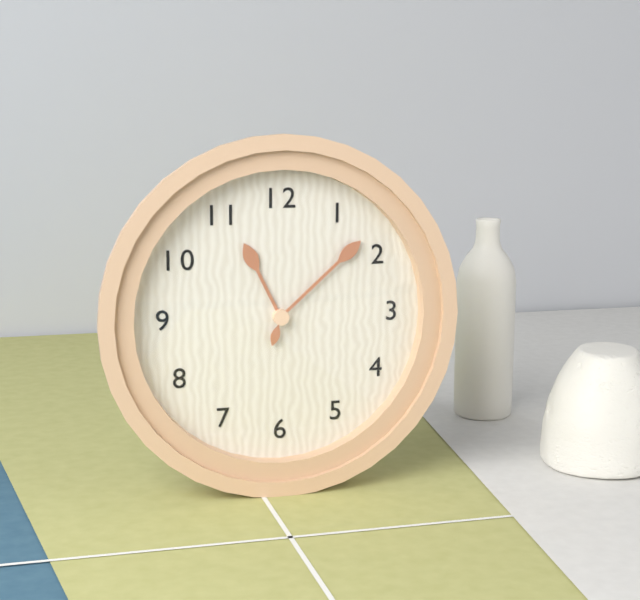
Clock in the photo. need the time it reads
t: 11:08
